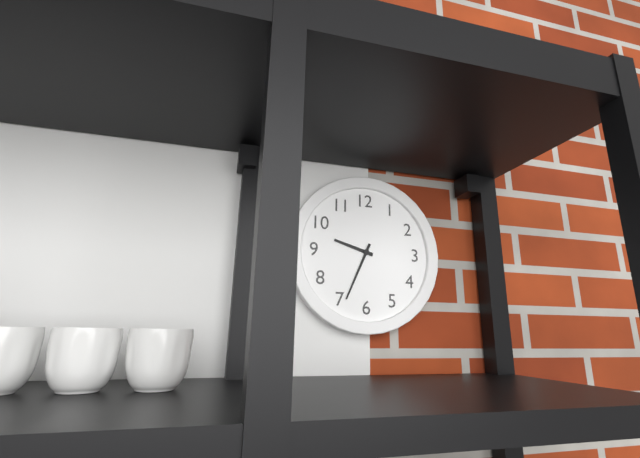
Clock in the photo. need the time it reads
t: 9:34
